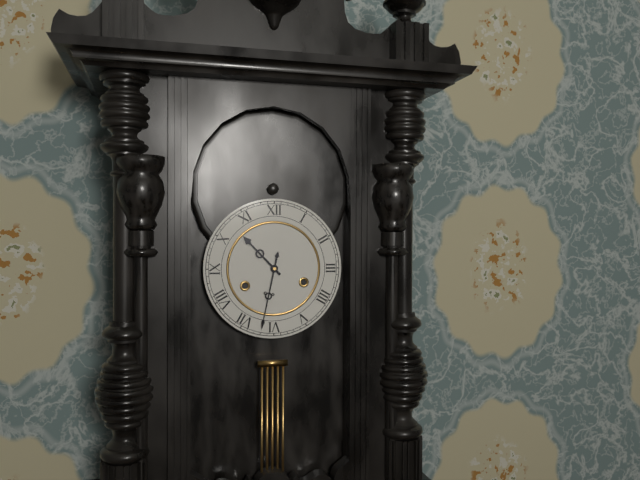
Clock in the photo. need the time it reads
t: 10:32
